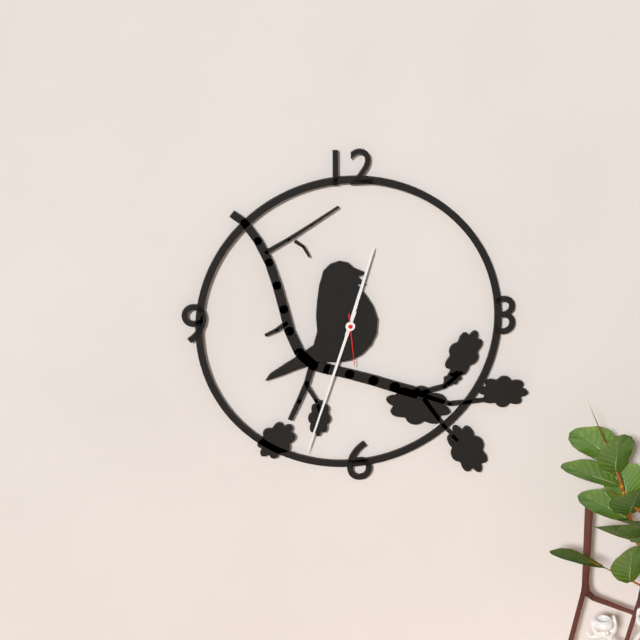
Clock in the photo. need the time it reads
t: 12:33:29
